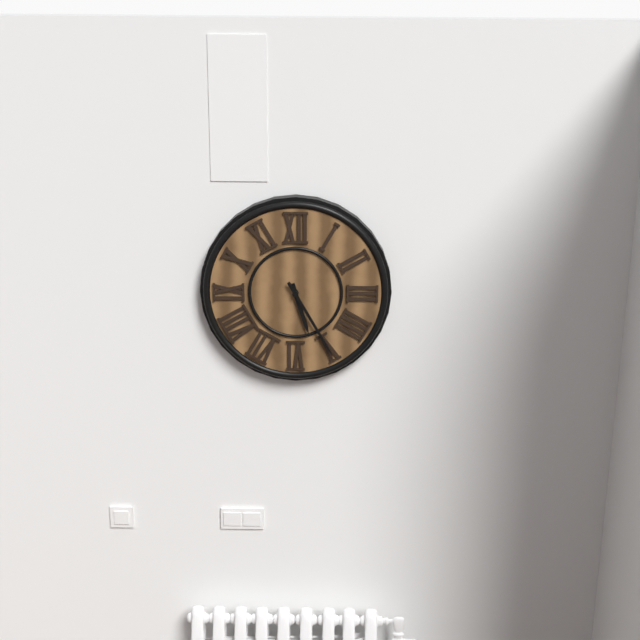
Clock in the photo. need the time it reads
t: 5:25
